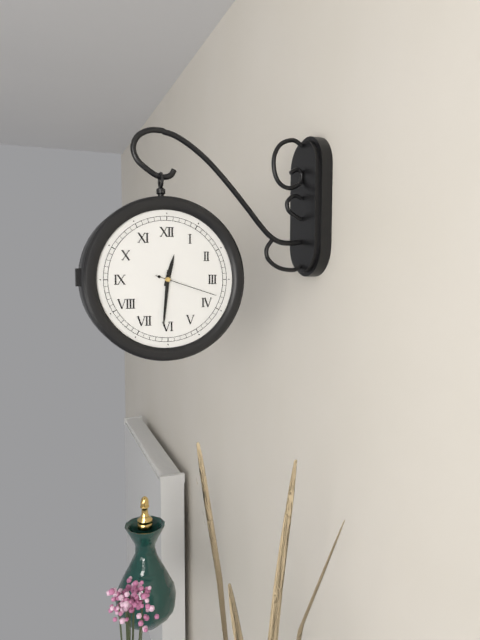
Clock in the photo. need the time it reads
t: 12:31:18
